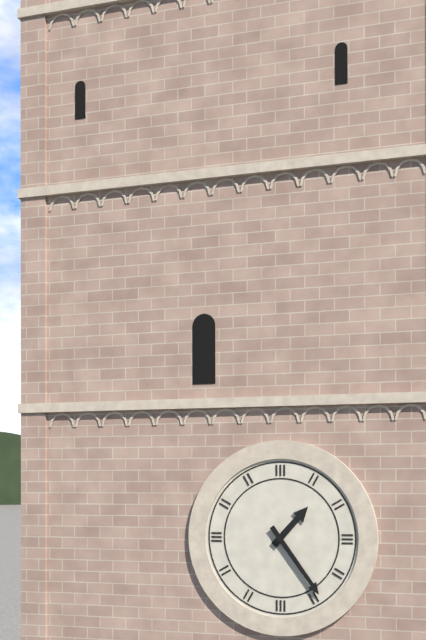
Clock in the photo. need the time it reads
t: 1:24
